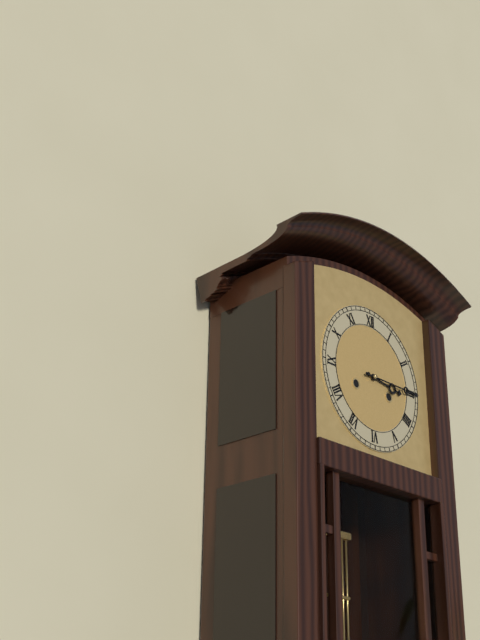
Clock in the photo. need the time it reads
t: 3:15
